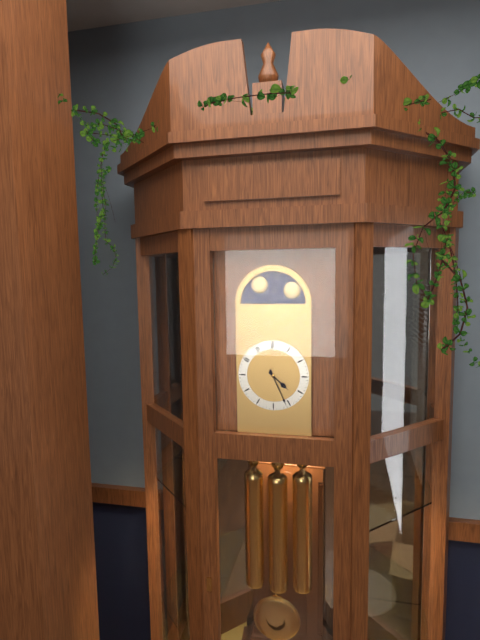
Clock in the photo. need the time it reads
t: 4:26
